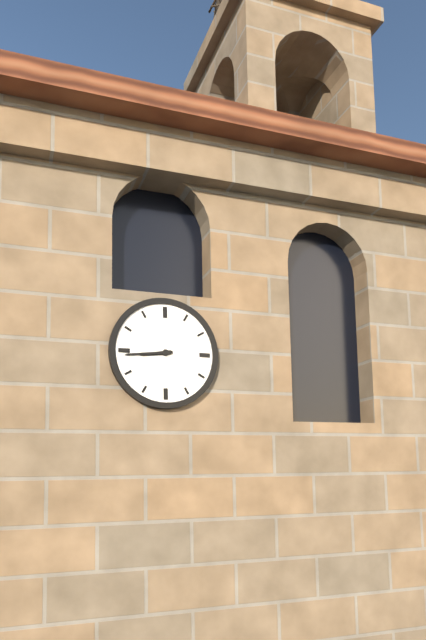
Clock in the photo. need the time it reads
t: 8:44
